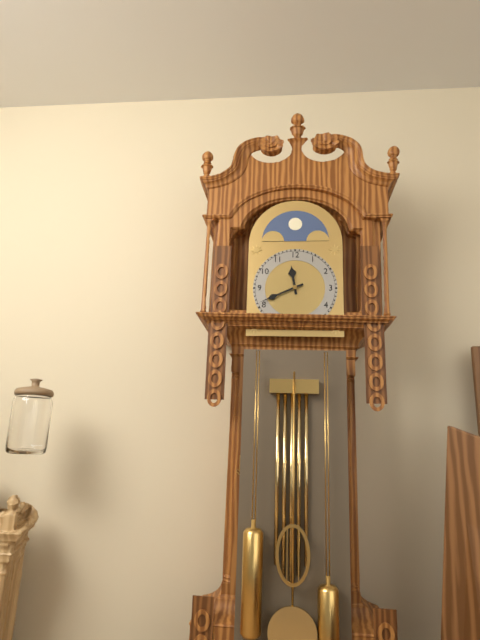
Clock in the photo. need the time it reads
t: 11:41
